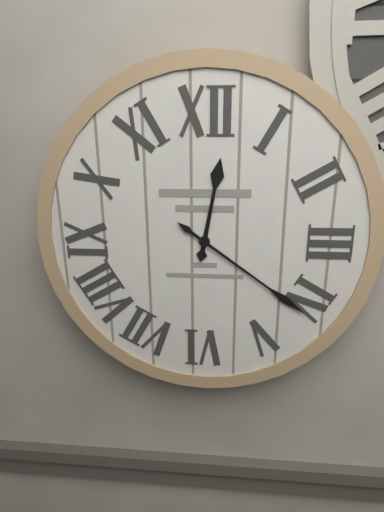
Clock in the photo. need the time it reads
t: 12:21
